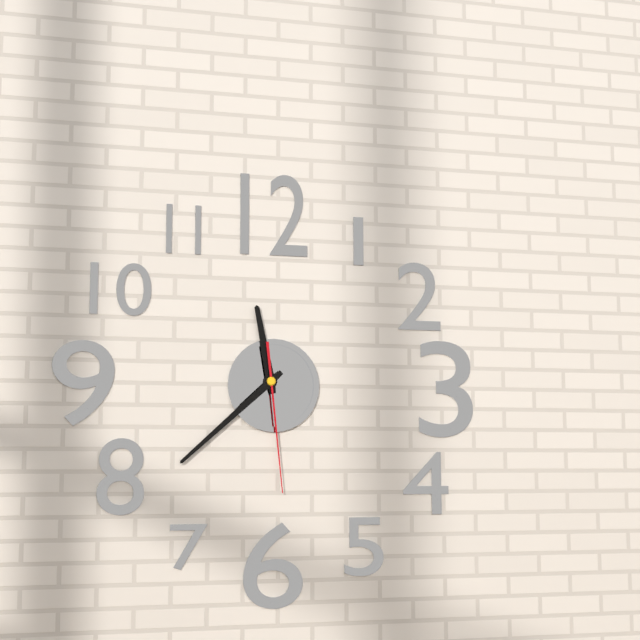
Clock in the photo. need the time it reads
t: 11:38:29
